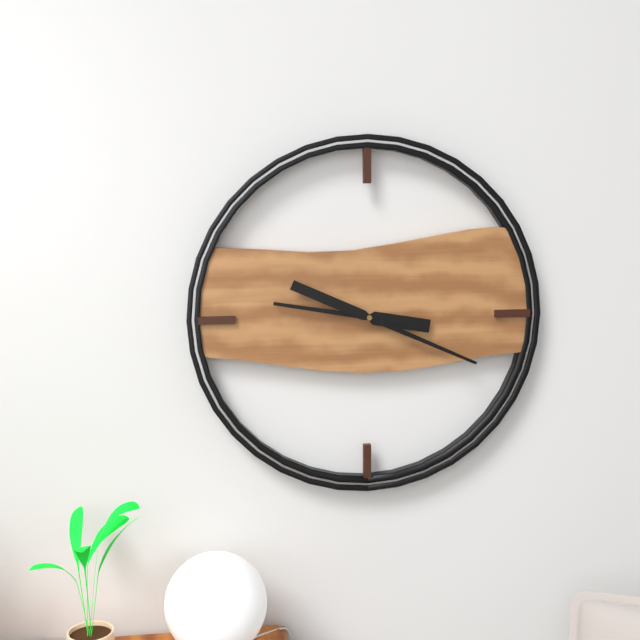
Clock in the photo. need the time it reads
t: 9:19
